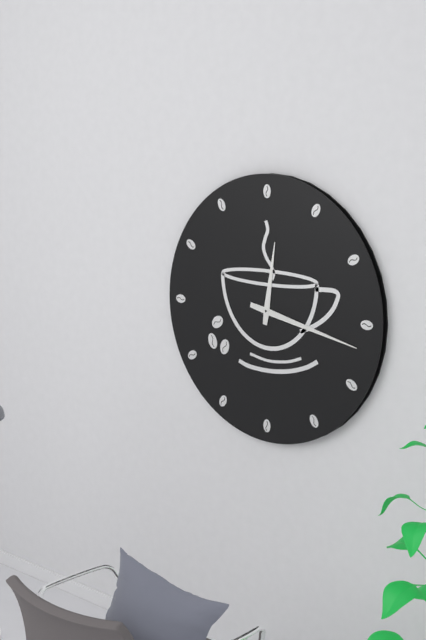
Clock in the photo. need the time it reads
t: 12:17
